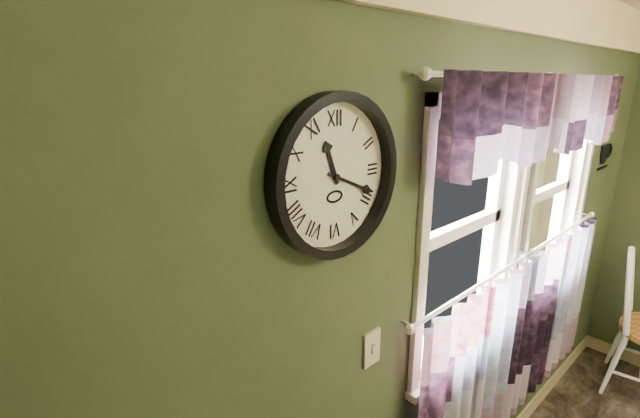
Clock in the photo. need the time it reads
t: 11:19
